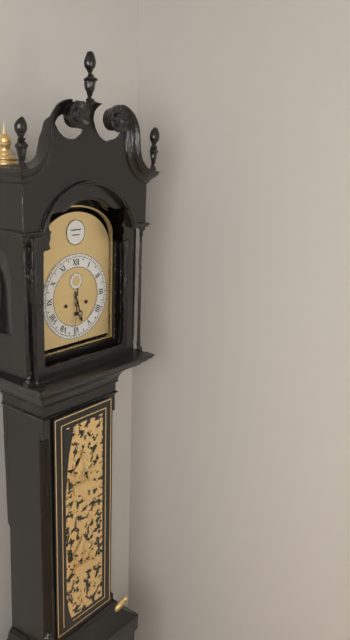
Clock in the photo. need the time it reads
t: 5:31
